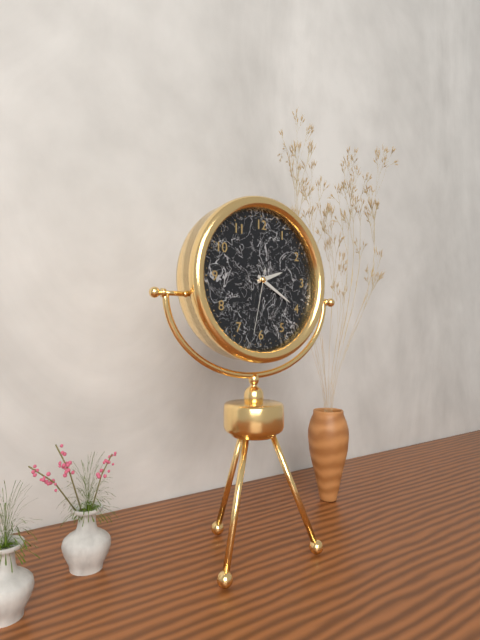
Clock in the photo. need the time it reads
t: 2:20:32
